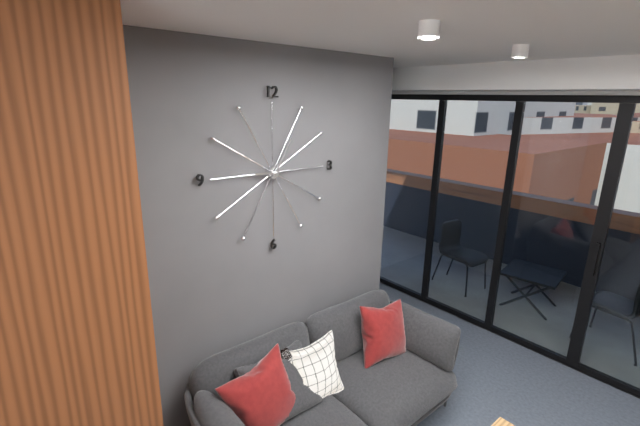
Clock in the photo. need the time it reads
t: 9:05
